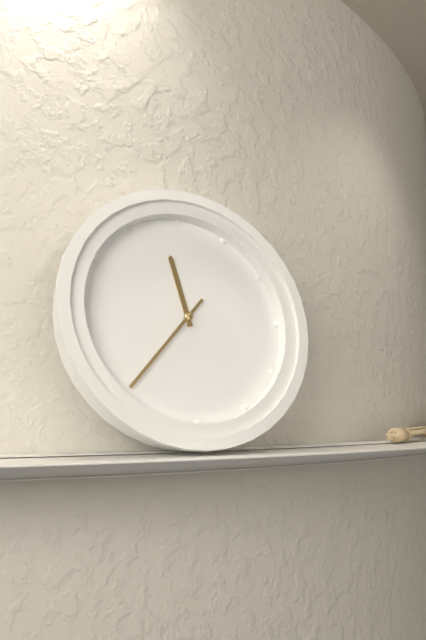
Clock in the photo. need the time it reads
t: 11:37
